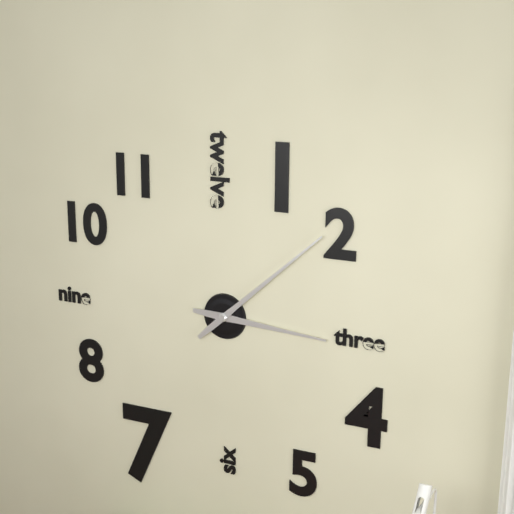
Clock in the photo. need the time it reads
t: 3:08
